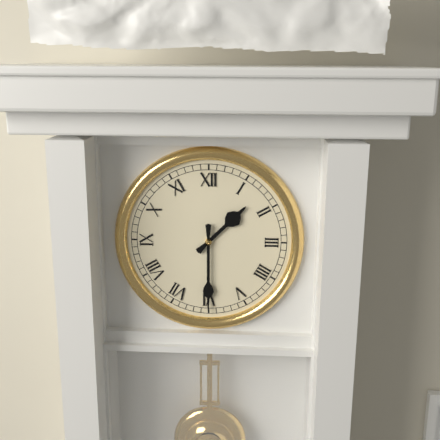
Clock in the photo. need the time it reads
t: 1:30
